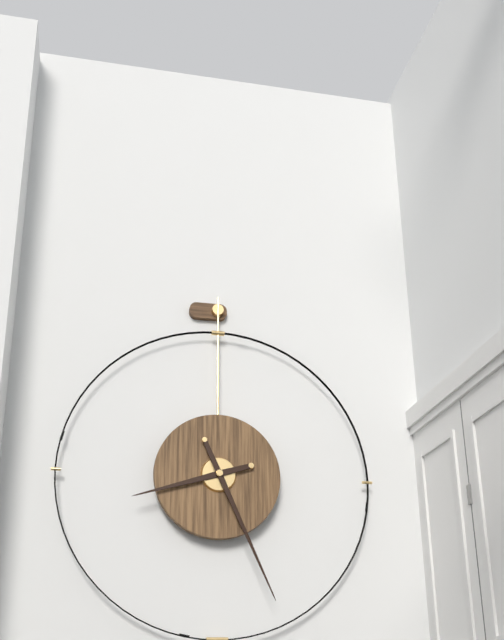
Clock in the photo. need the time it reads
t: 8:26
